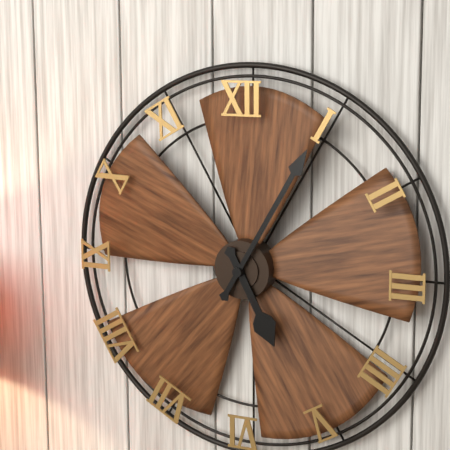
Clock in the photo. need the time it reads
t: 5:05
